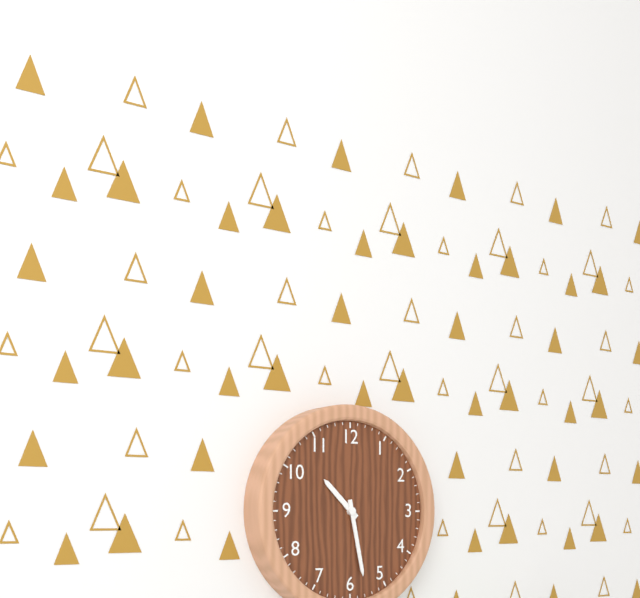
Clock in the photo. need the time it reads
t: 10:28
